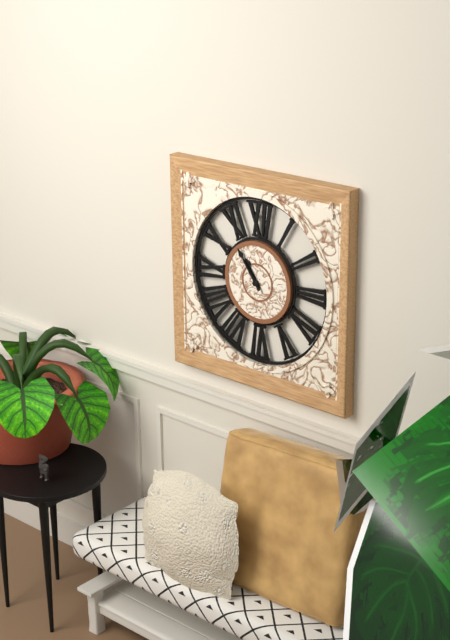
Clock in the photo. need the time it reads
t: 10:54
